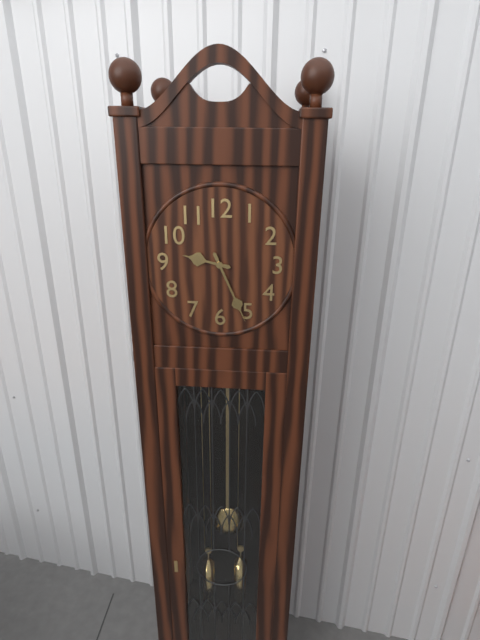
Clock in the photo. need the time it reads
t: 9:26
